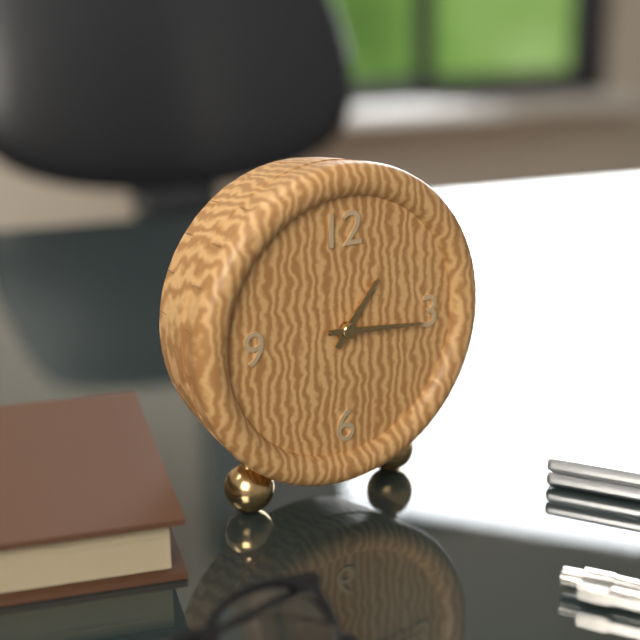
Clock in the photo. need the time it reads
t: 1:16
